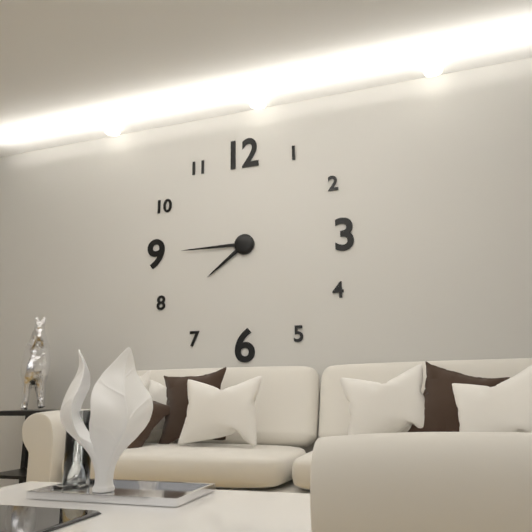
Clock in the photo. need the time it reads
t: 7:45
